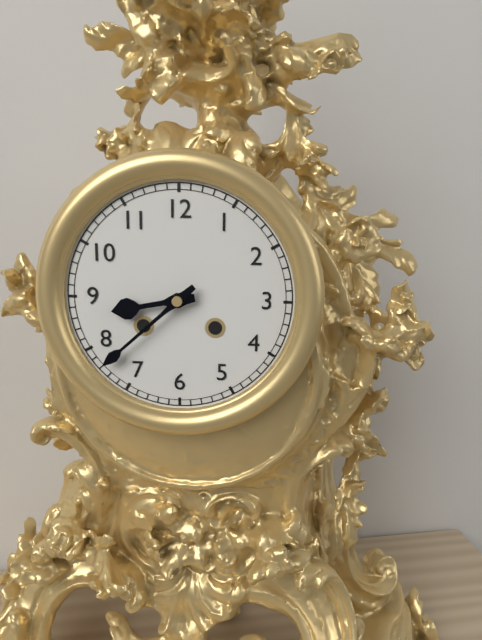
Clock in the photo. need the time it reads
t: 8:38
